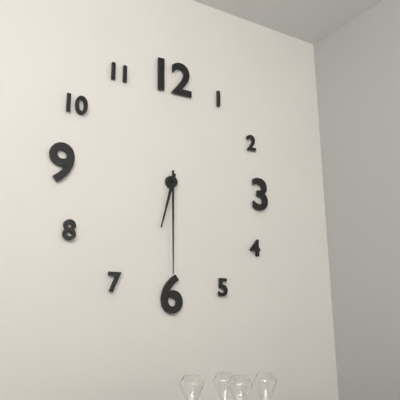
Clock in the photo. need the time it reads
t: 6:30
